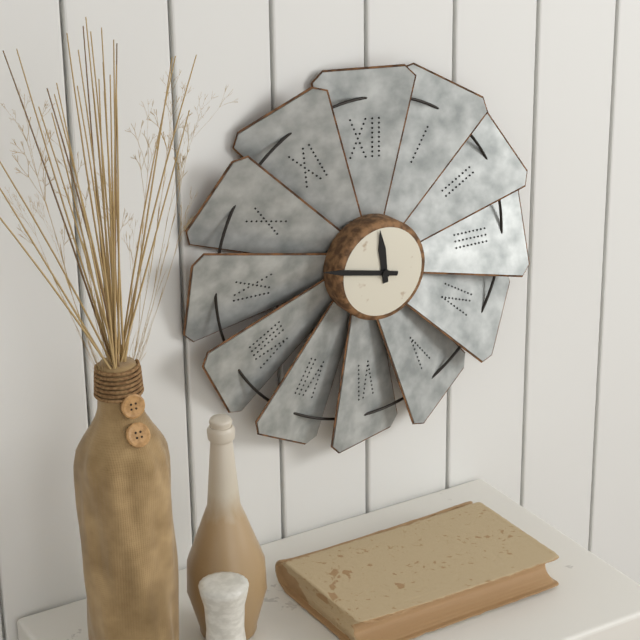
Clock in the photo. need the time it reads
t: 11:47
